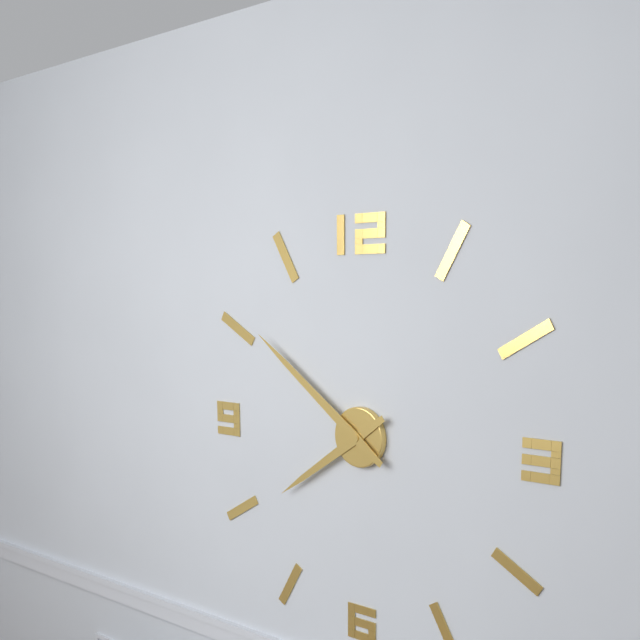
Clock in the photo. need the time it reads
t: 7:51
